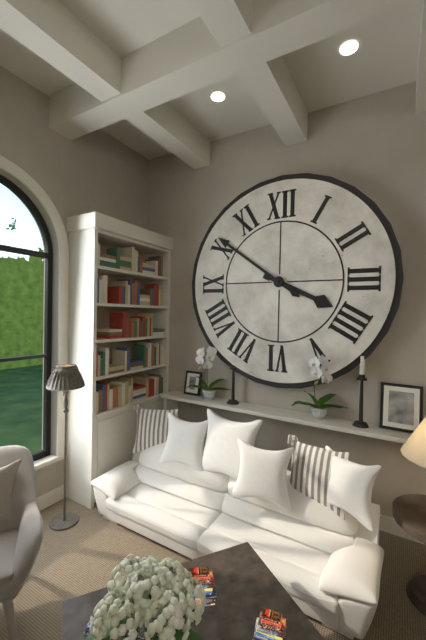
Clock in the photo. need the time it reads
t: 3:51
